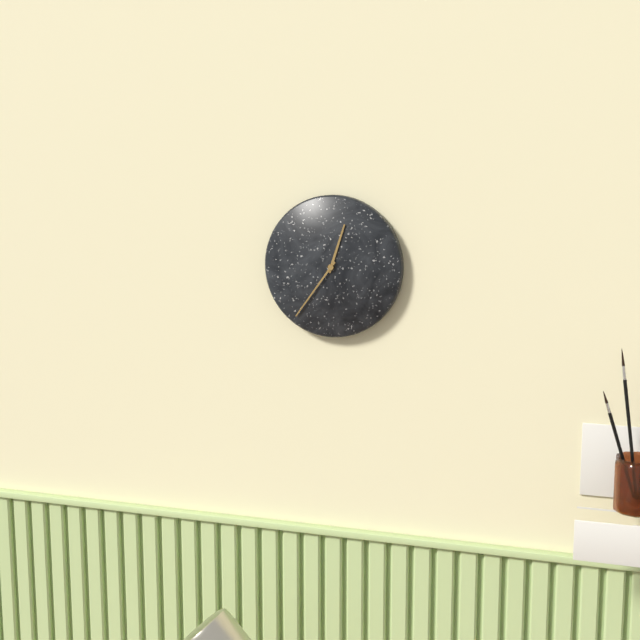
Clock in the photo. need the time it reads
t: 12:36
